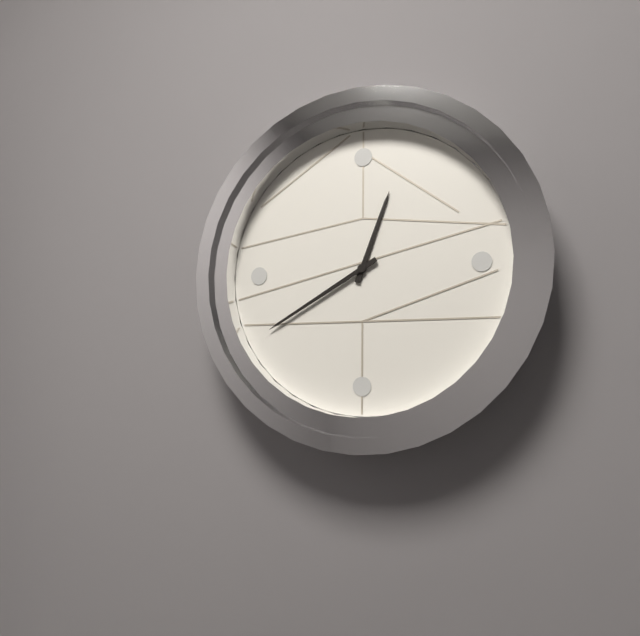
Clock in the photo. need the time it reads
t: 12:40
